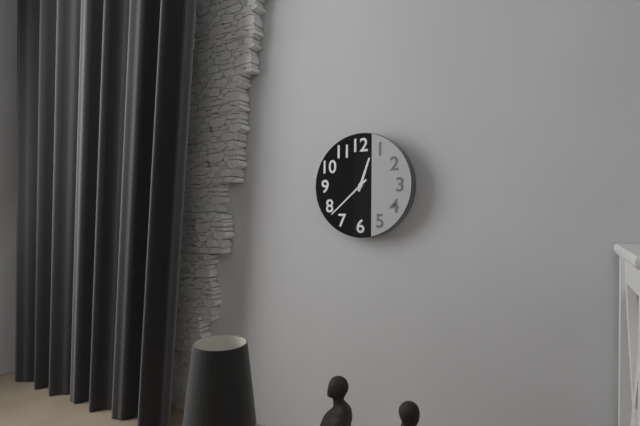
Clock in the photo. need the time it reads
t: 12:38
